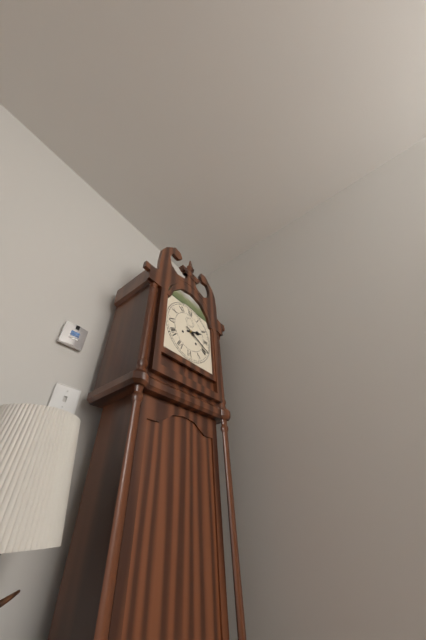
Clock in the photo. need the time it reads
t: 2:19
